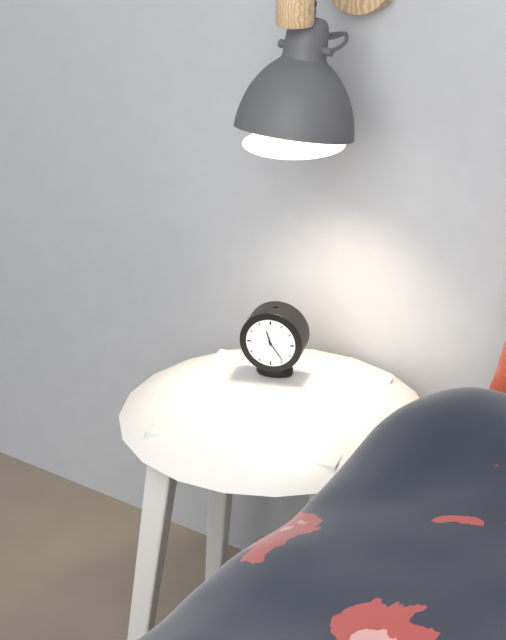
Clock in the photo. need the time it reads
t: 11:24
